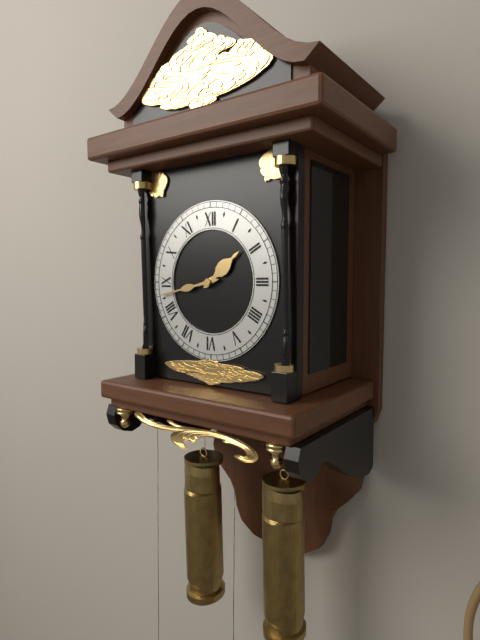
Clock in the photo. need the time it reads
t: 1:43
